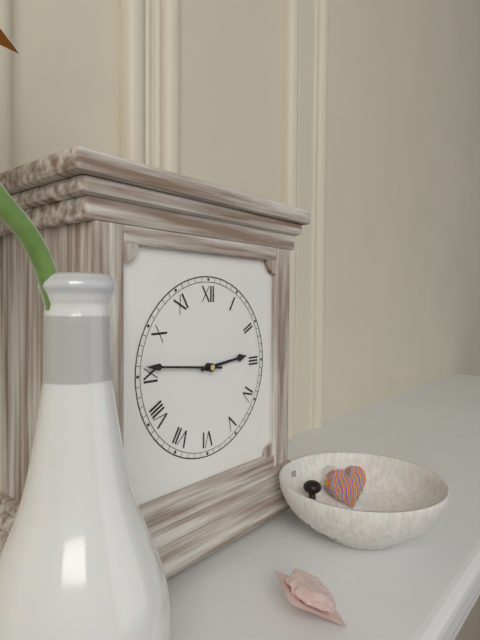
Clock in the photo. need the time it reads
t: 2:46
